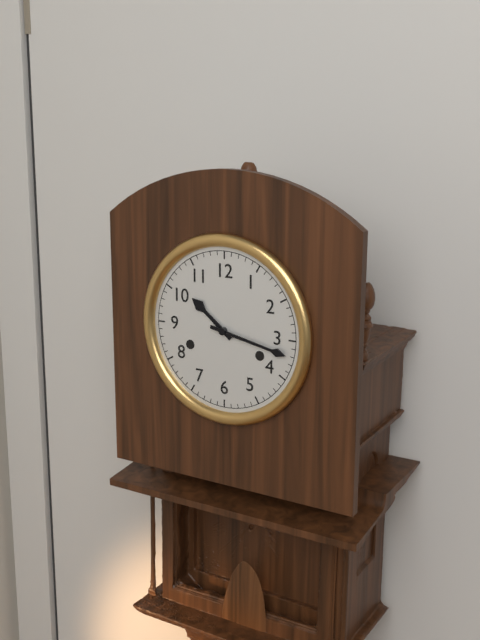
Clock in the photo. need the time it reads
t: 10:17
